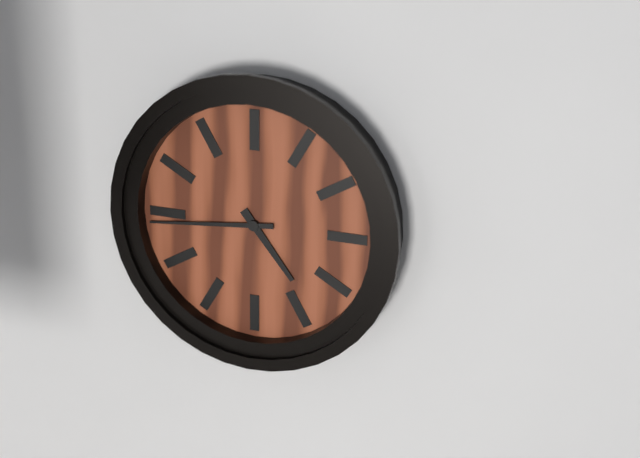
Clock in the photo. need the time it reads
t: 4:44
